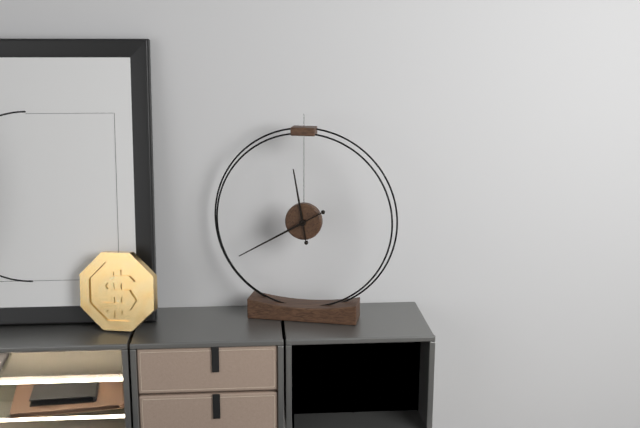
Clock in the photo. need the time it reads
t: 11:40
